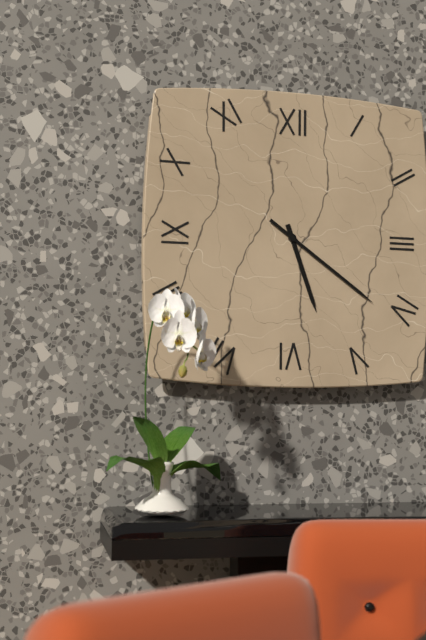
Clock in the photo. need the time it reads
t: 5:21
